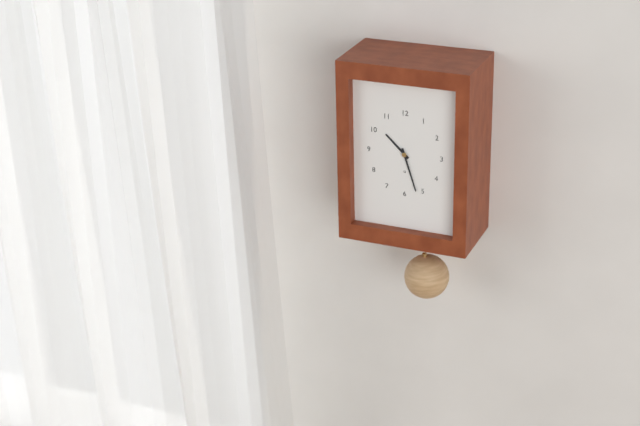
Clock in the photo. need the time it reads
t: 10:27
